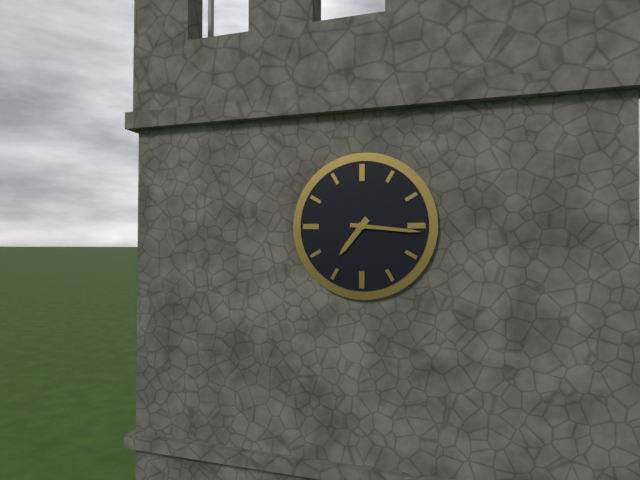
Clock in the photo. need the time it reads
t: 7:16
